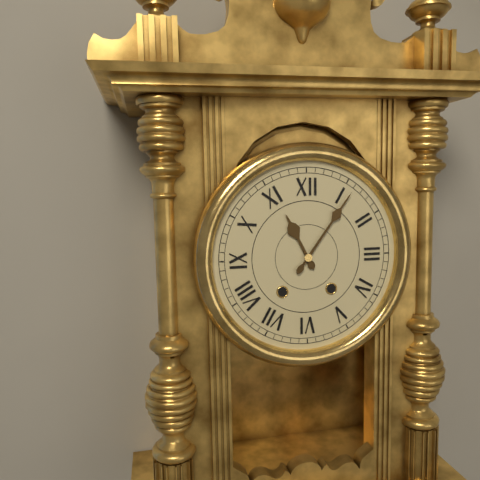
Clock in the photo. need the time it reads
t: 11:06
